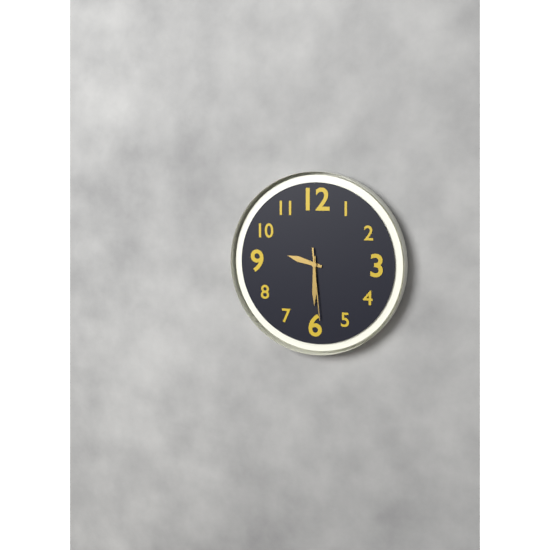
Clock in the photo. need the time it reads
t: 9:30:29
